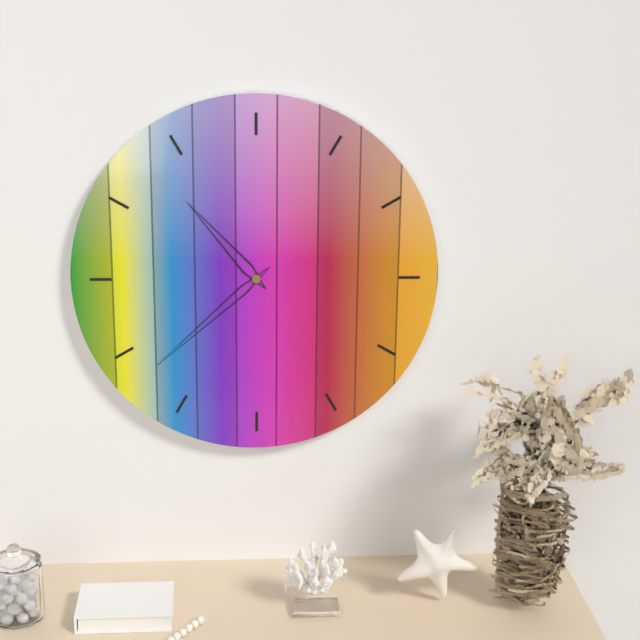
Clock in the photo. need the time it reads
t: 10:38
